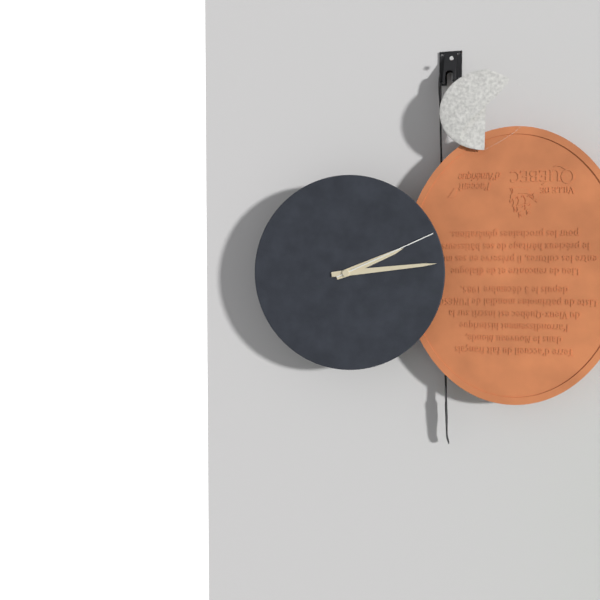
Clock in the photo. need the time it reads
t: 2:14:11
